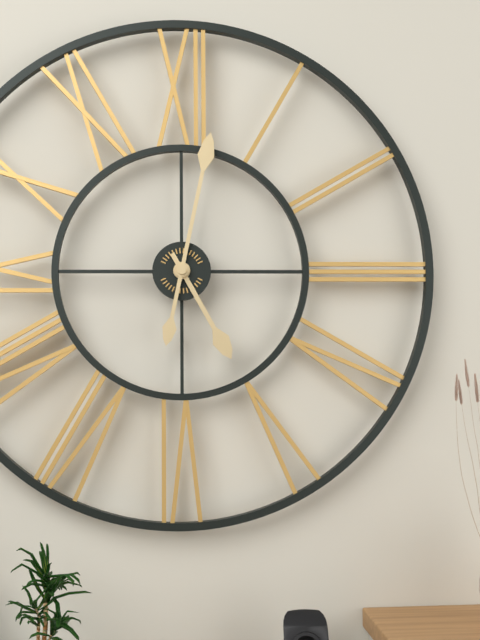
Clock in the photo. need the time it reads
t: 5:02
